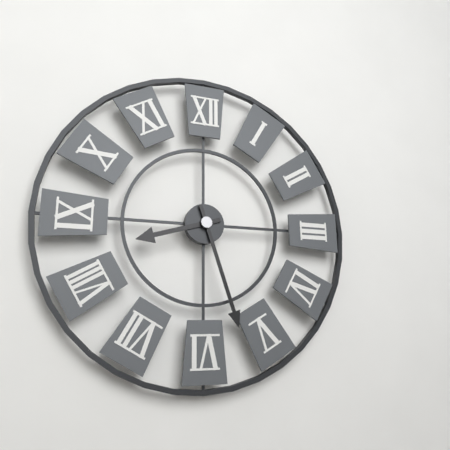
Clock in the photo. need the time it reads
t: 8:27
